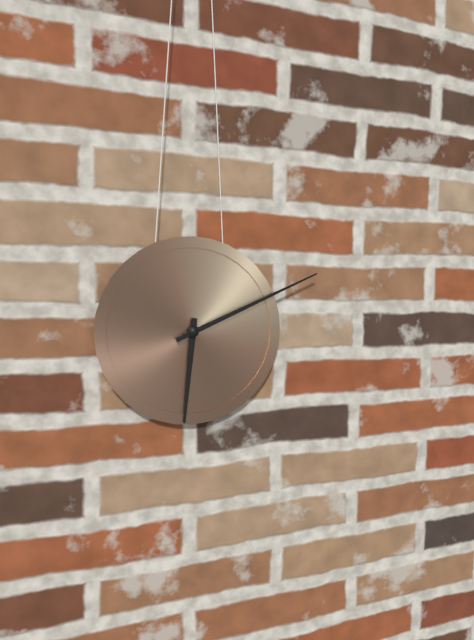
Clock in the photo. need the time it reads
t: 6:11
